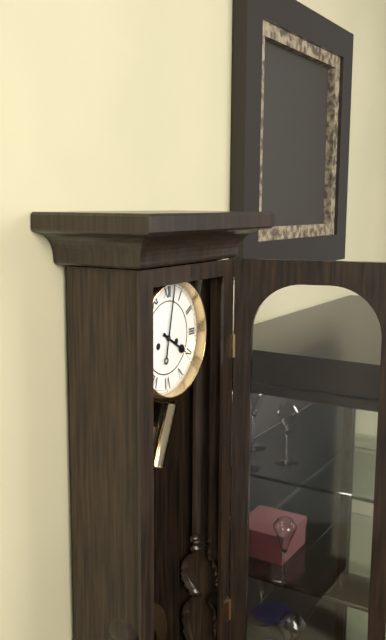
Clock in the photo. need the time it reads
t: 4:02
